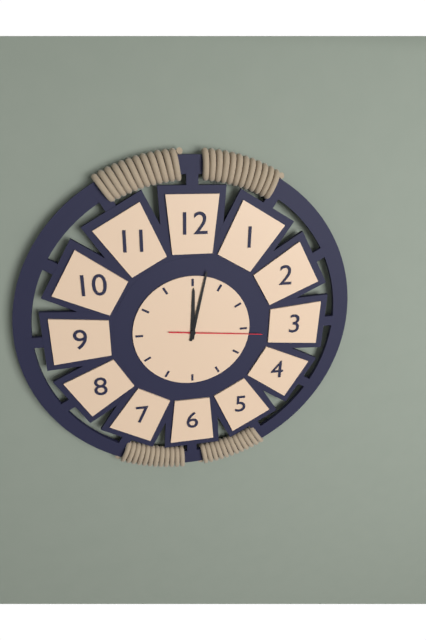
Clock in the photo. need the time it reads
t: 12:02:16
